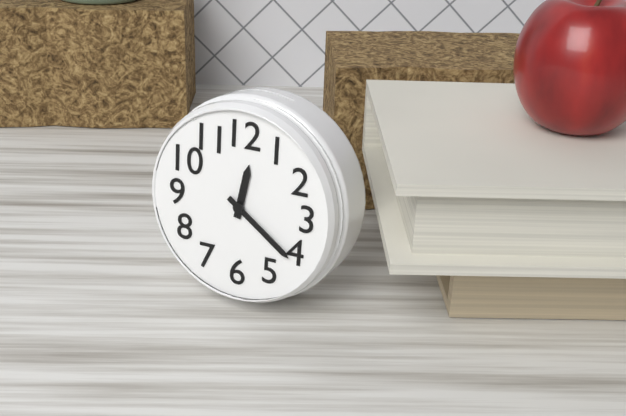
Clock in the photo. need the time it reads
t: 12:21
